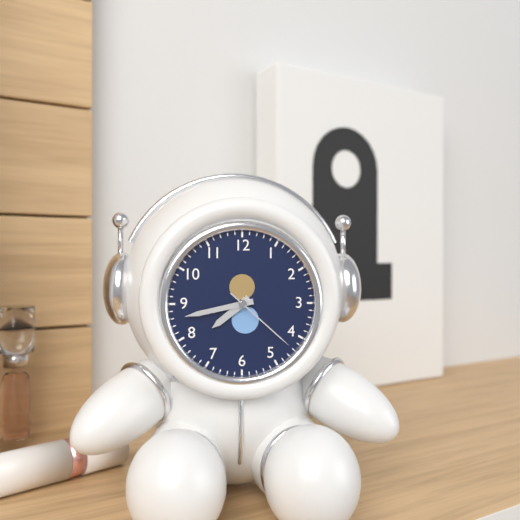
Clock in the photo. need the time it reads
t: 7:43:22
